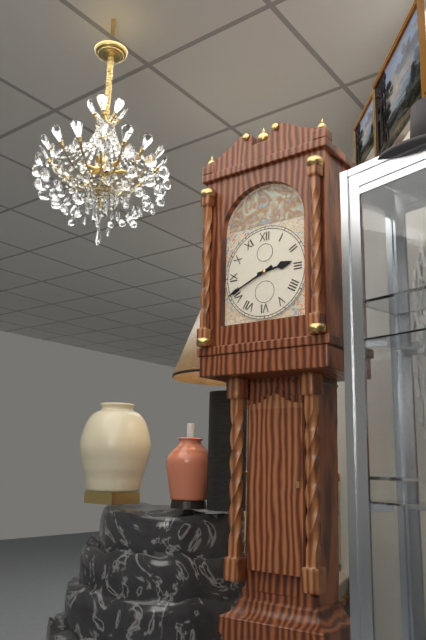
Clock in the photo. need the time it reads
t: 2:41
